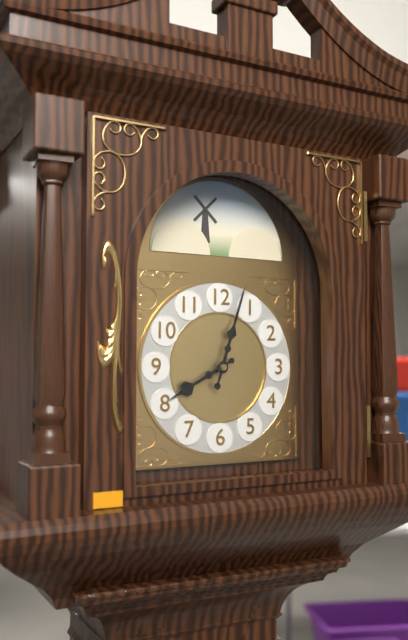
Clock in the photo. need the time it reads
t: 8:03
